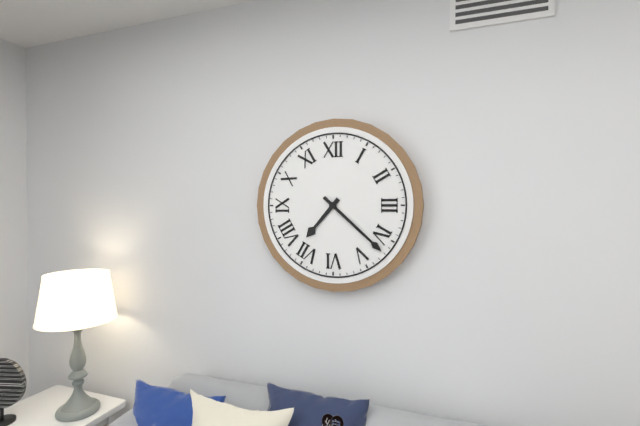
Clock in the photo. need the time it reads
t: 7:22
